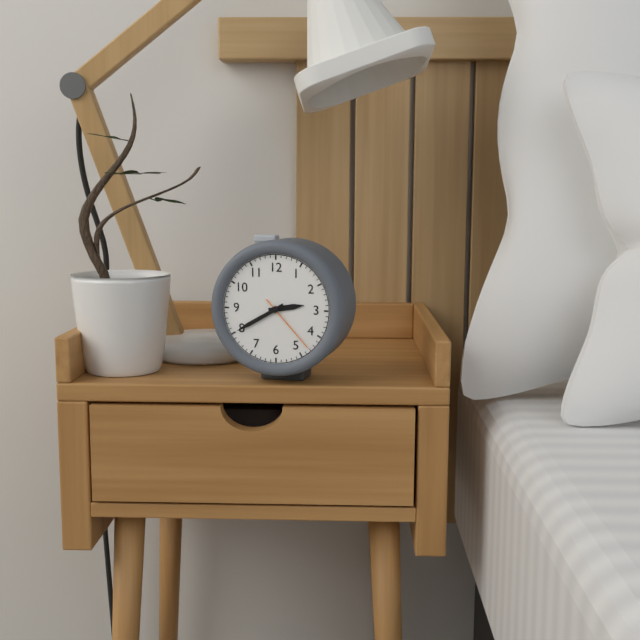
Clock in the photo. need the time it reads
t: 2:40:23
